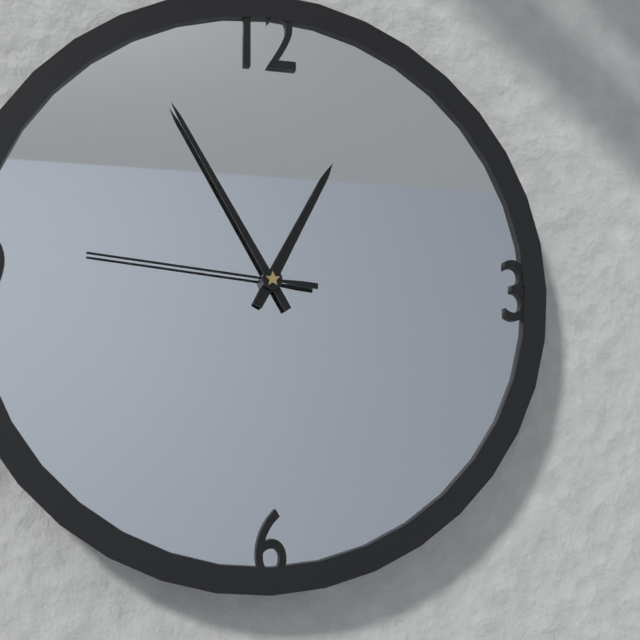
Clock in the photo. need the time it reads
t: 12:55:46
